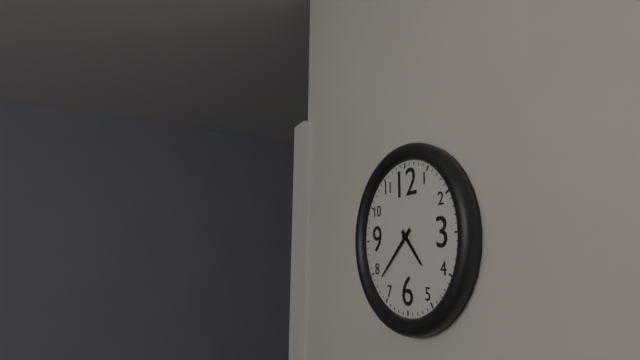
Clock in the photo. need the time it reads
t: 4:38
